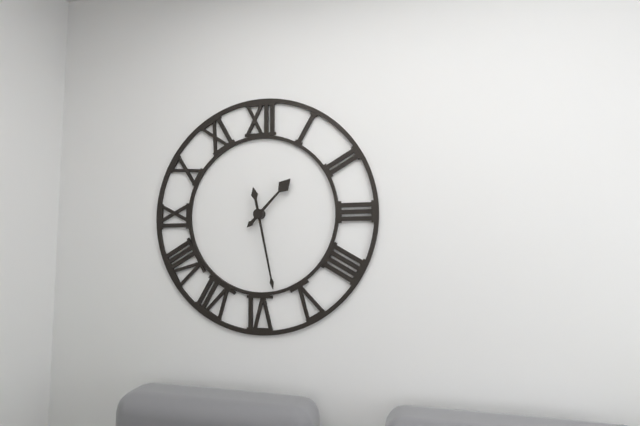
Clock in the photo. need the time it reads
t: 1:28
